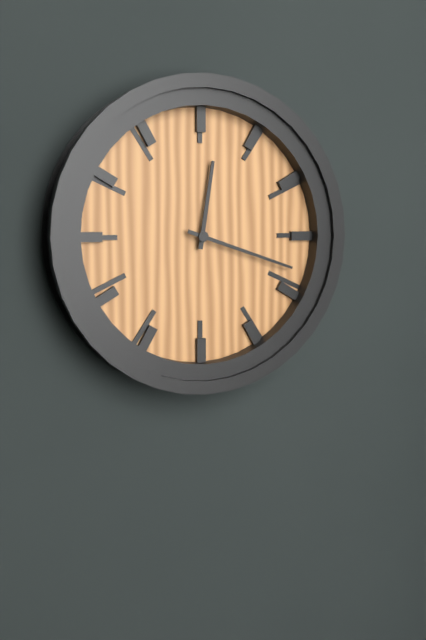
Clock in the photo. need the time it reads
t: 12:18
